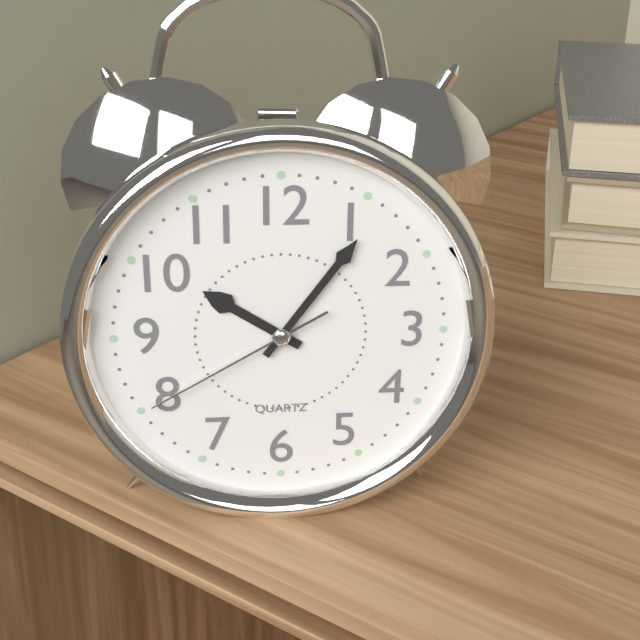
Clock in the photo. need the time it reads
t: 10:06:40
